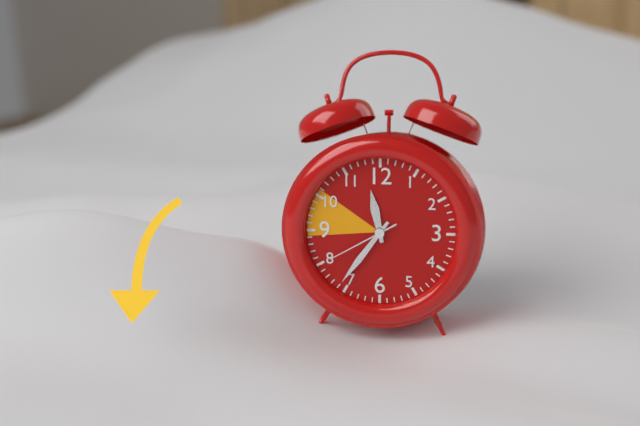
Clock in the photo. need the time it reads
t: 11:36:40
